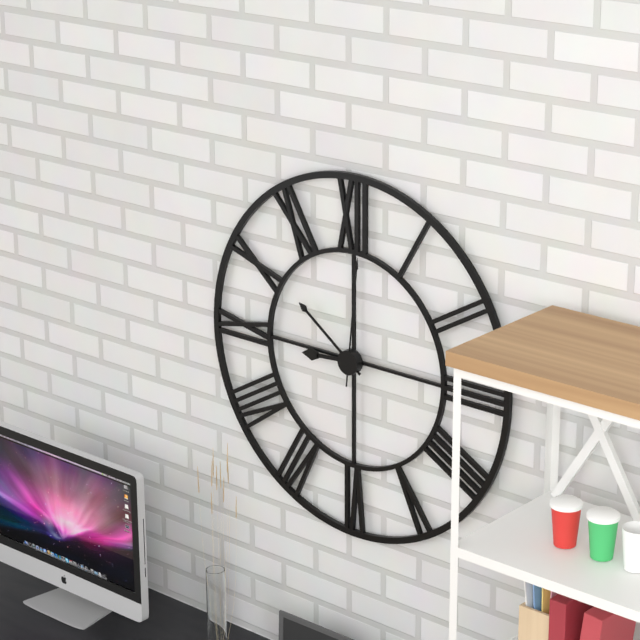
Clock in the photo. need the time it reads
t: 8:51:01
